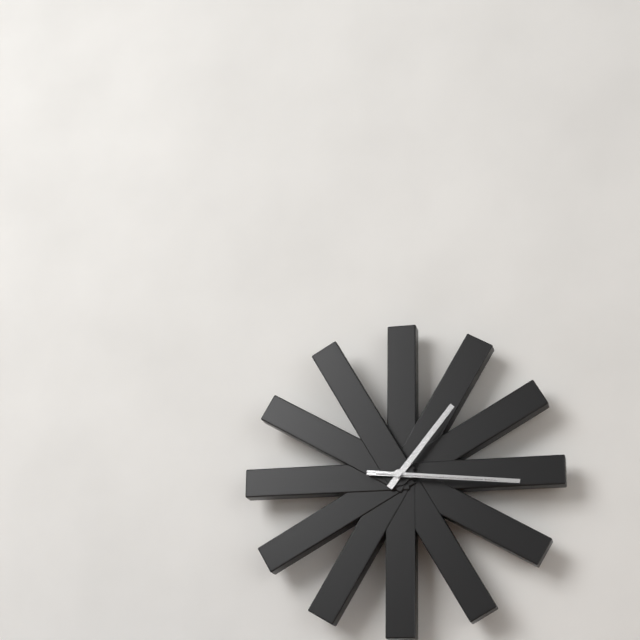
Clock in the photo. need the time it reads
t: 1:16:16
